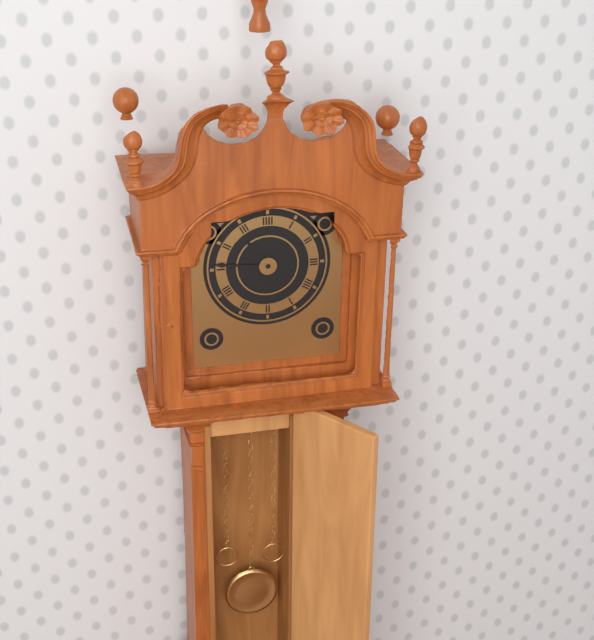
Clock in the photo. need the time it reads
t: 10:46
